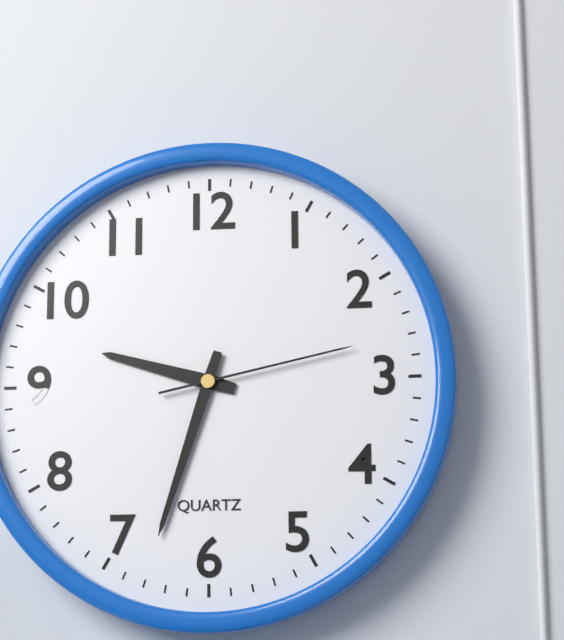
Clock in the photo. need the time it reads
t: 9:33:13
